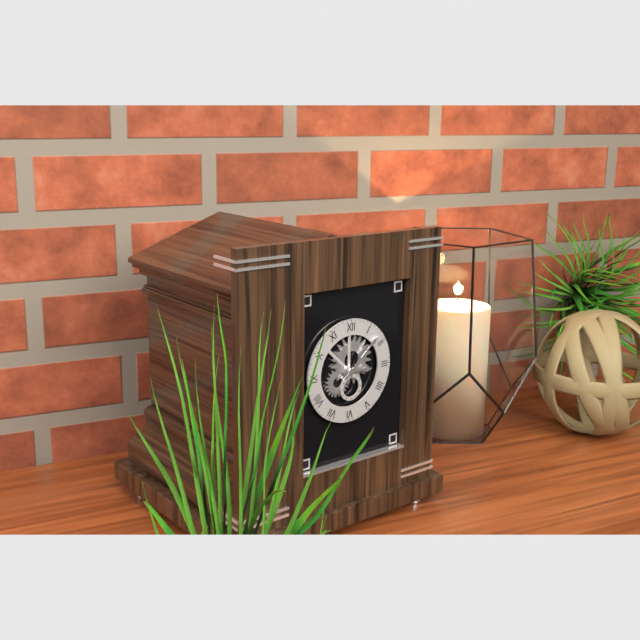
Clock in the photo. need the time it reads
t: 3:08
